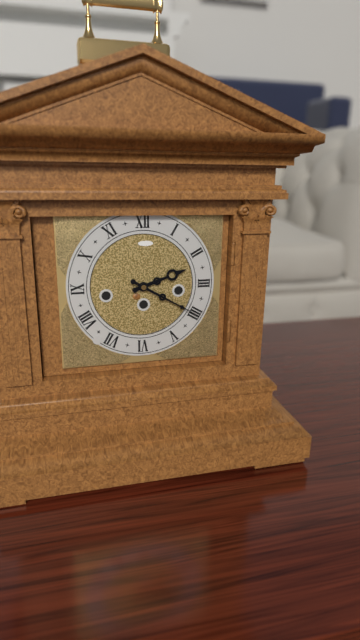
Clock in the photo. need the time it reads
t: 2:20
